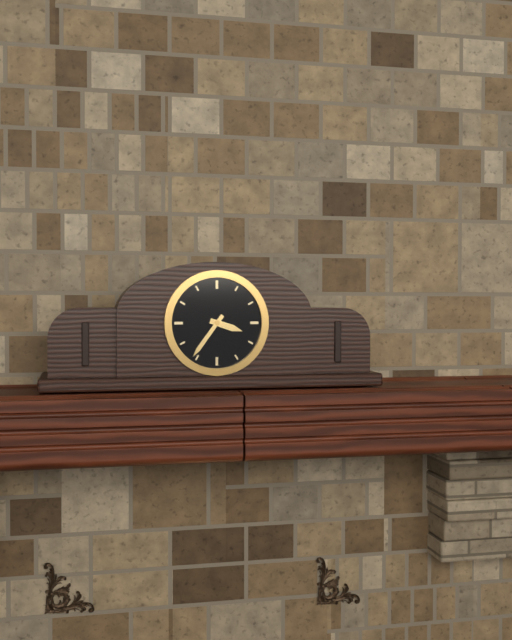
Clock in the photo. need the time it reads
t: 3:36
